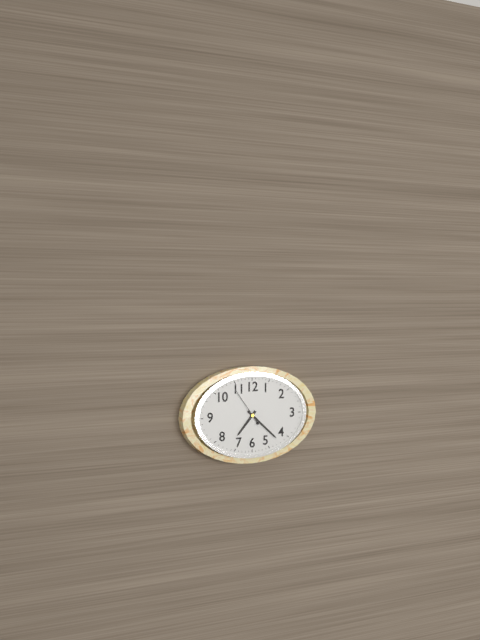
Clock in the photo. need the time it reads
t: 7:22
